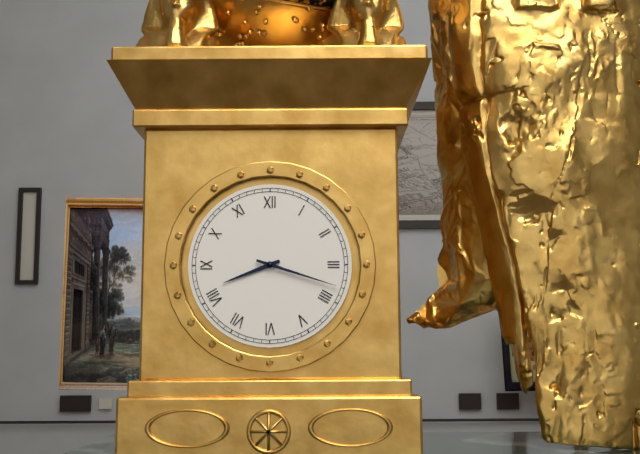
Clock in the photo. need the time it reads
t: 8:18
